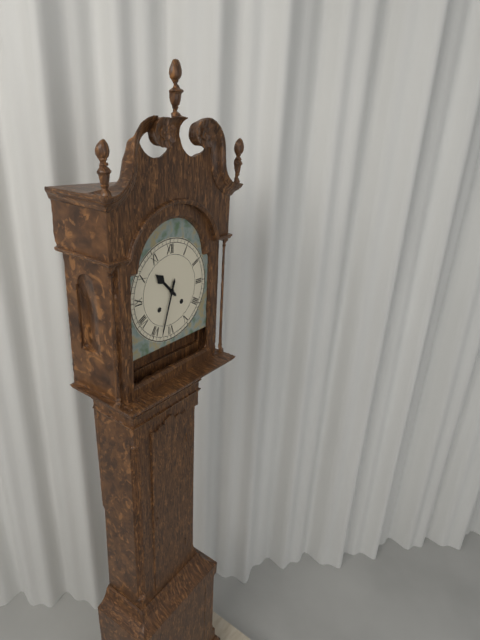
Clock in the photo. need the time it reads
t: 10:33
